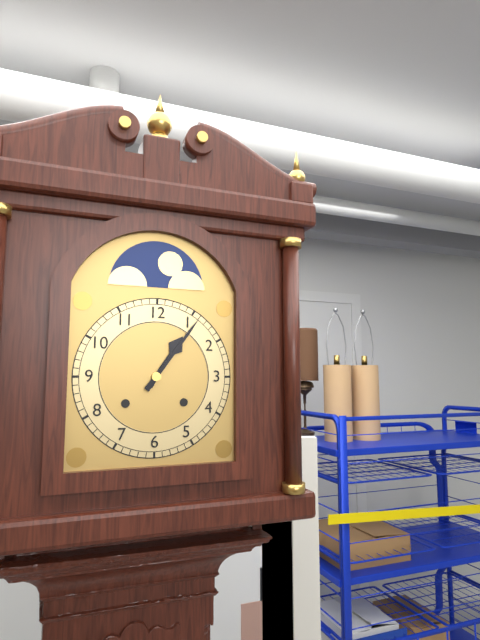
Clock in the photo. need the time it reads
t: 1:06
